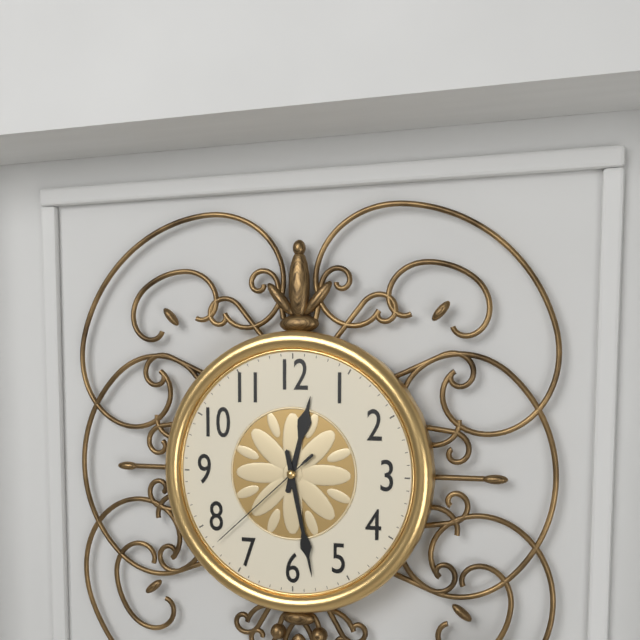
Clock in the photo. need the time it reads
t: 12:28:38
